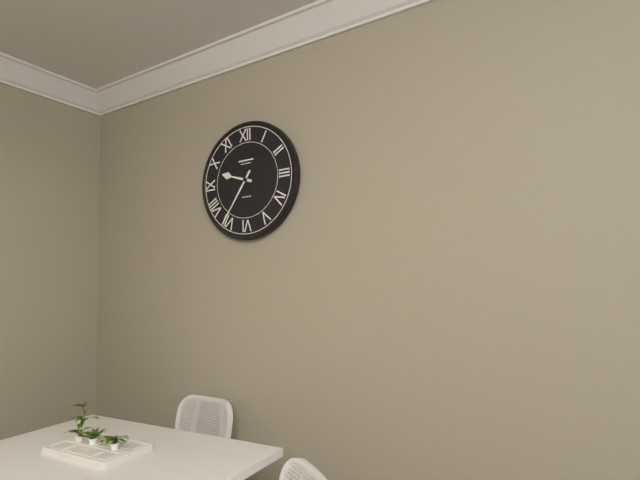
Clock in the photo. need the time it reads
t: 9:36
